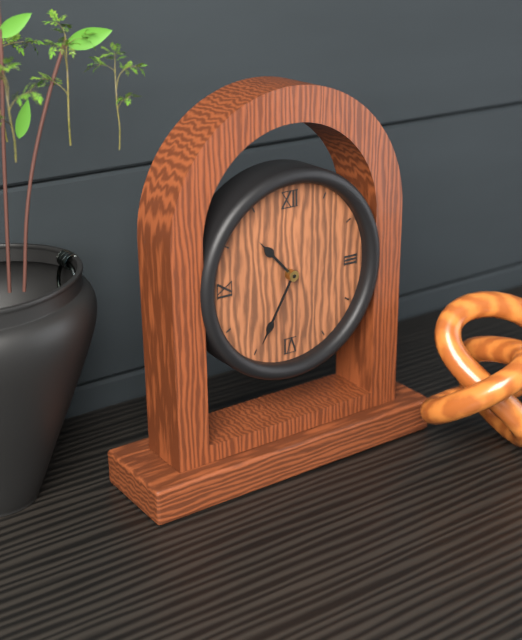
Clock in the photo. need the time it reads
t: 10:35
